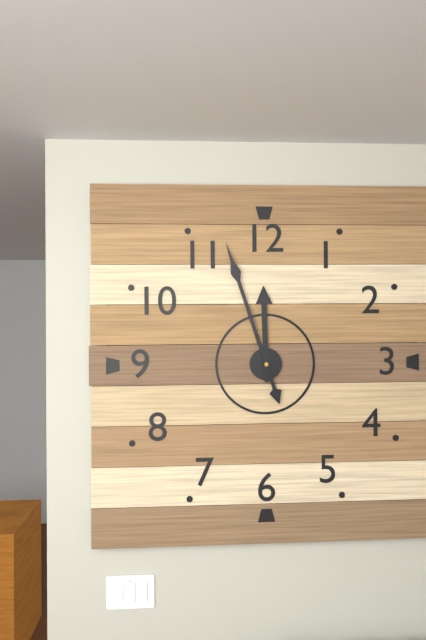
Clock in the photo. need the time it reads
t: 11:57
